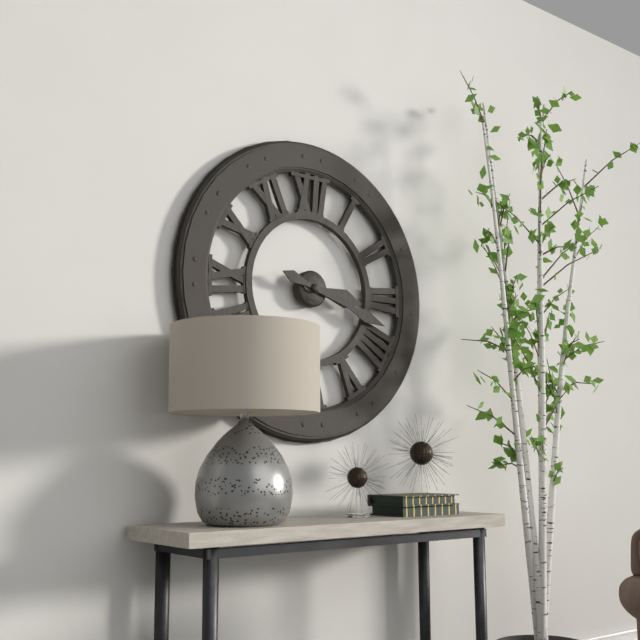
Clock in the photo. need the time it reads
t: 3:18
